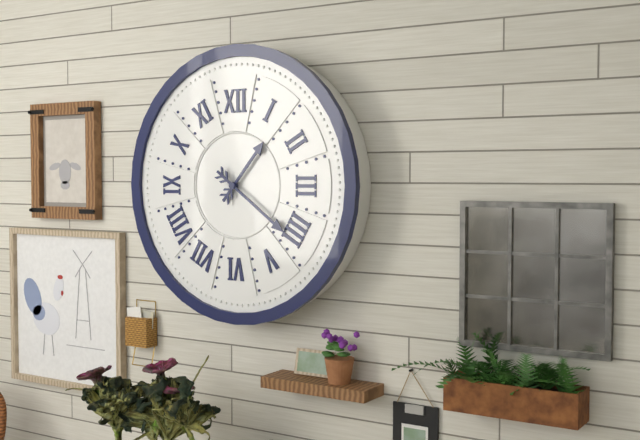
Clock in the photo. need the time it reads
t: 1:21
